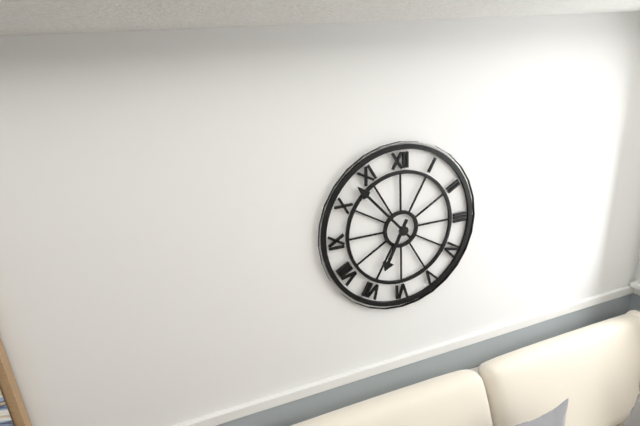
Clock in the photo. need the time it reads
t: 6:53
